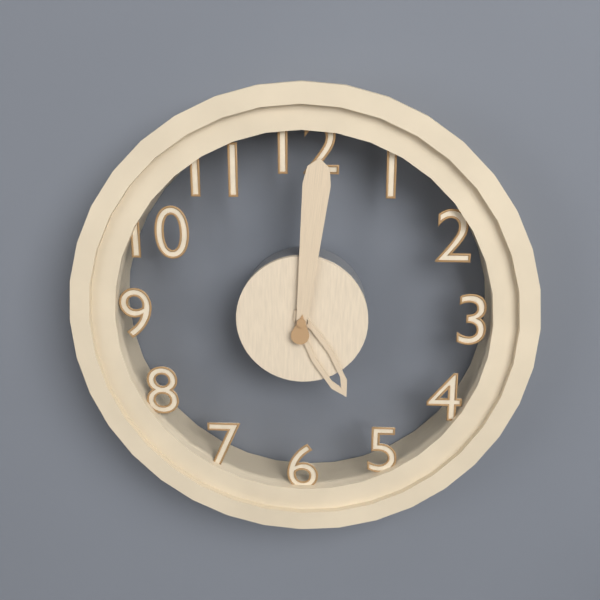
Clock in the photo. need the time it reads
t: 5:01
